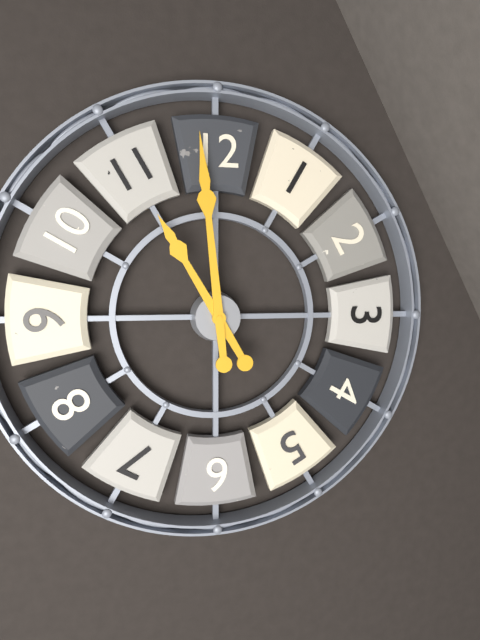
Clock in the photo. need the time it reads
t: 10:59
